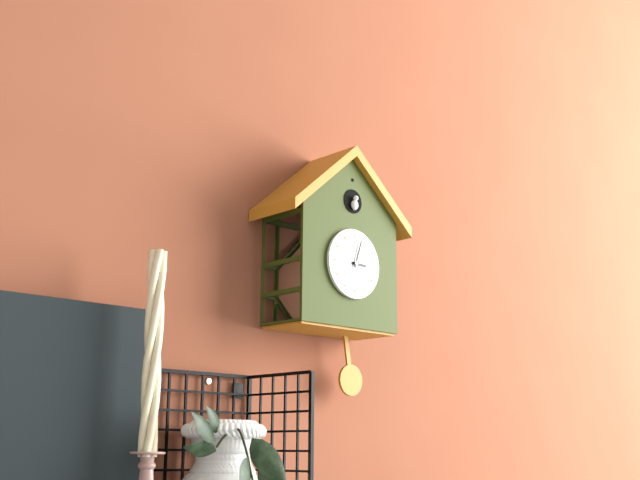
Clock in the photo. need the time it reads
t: 3:03
